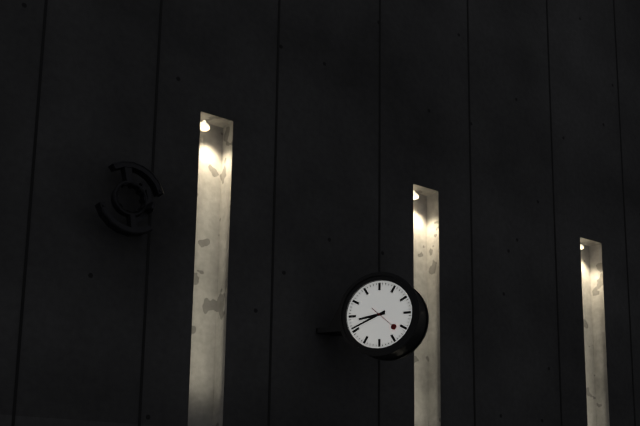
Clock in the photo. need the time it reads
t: 8:41
